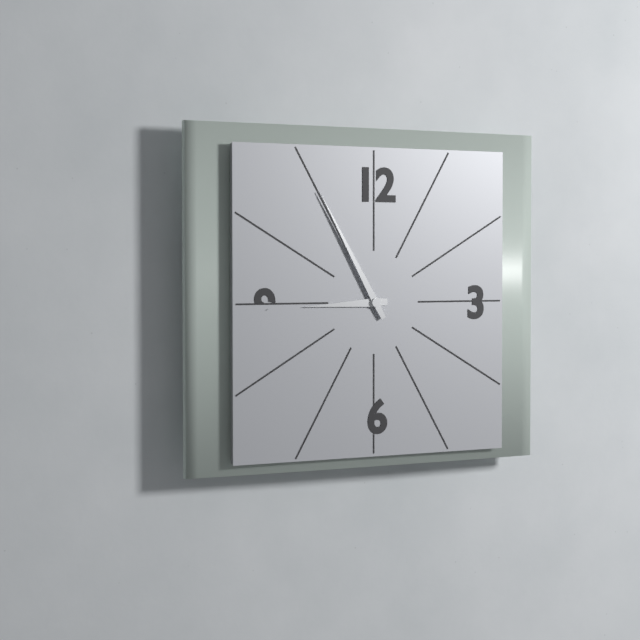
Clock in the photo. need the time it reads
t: 8:55
